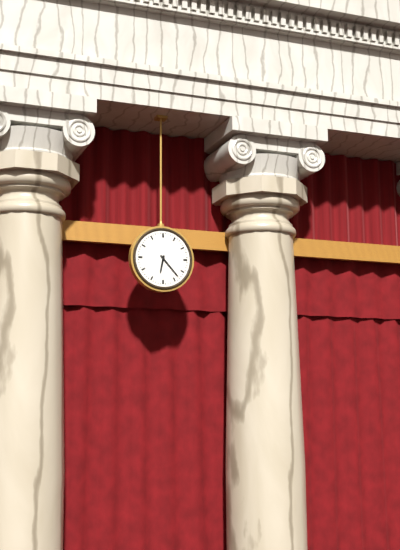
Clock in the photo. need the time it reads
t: 6:23
